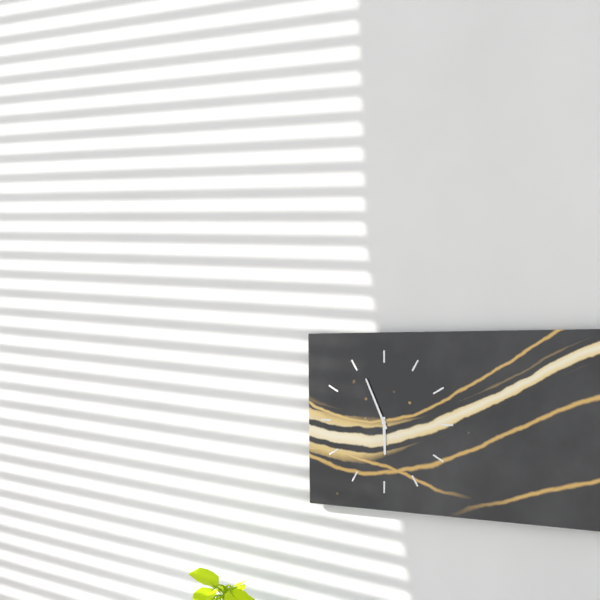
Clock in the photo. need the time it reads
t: 5:56
